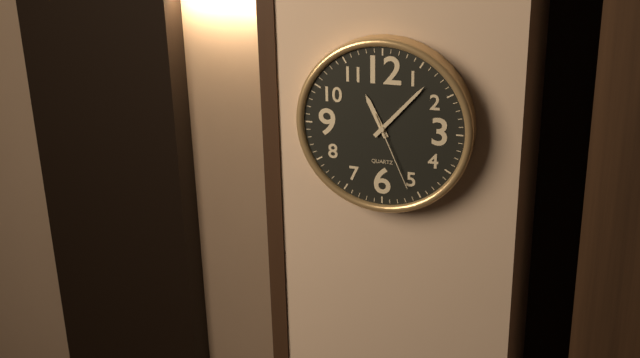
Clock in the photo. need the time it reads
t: 11:07:26
